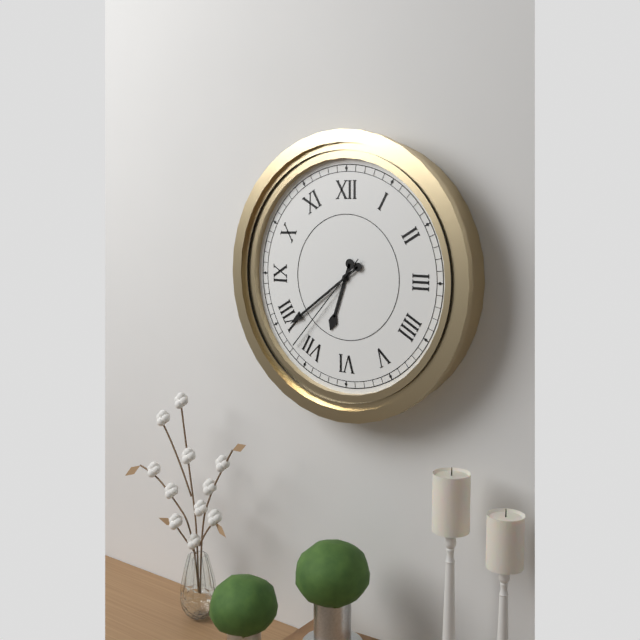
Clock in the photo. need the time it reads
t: 6:39:37
